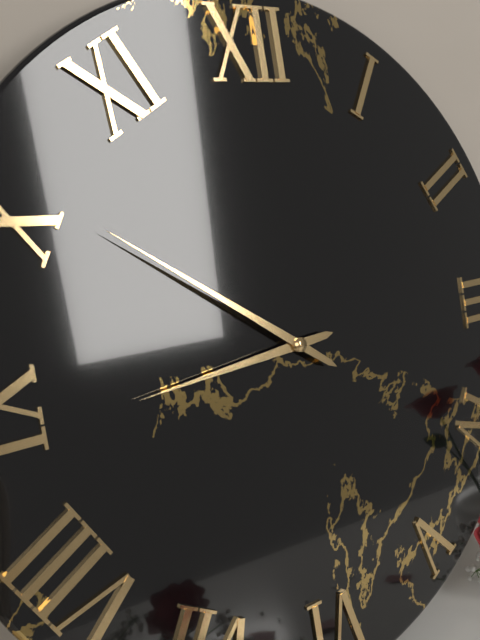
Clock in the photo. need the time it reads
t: 8:51
